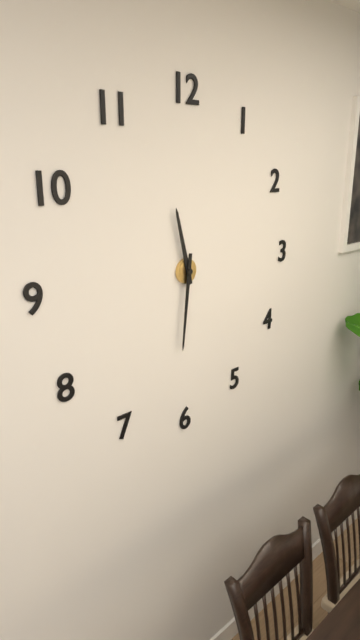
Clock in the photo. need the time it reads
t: 11:31
